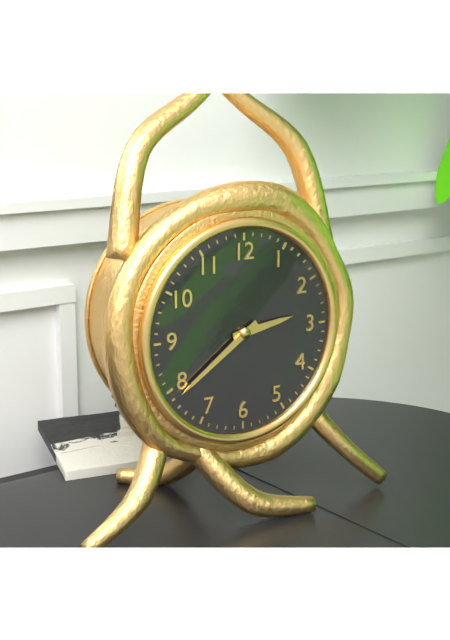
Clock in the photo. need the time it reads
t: 2:39
